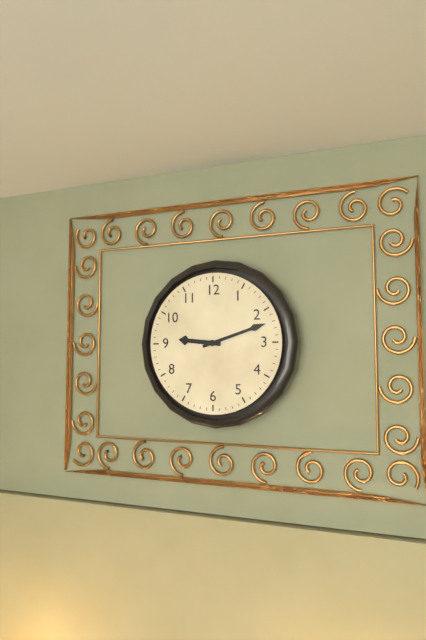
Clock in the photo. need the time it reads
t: 9:12
